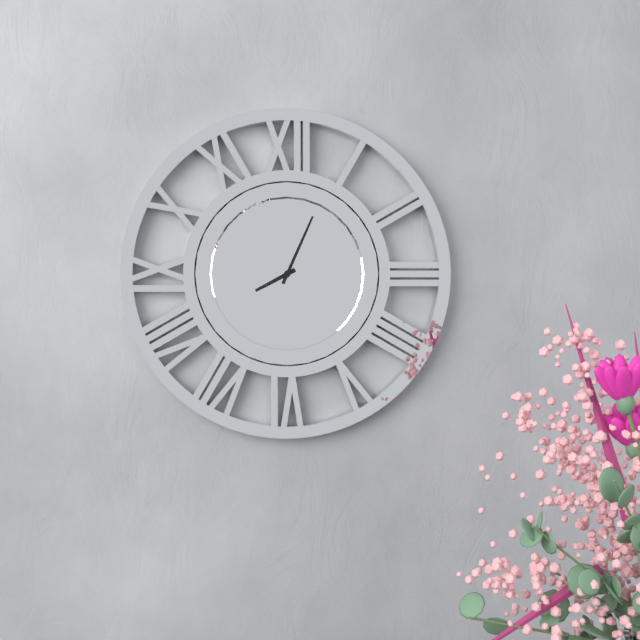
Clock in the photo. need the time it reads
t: 8:04
